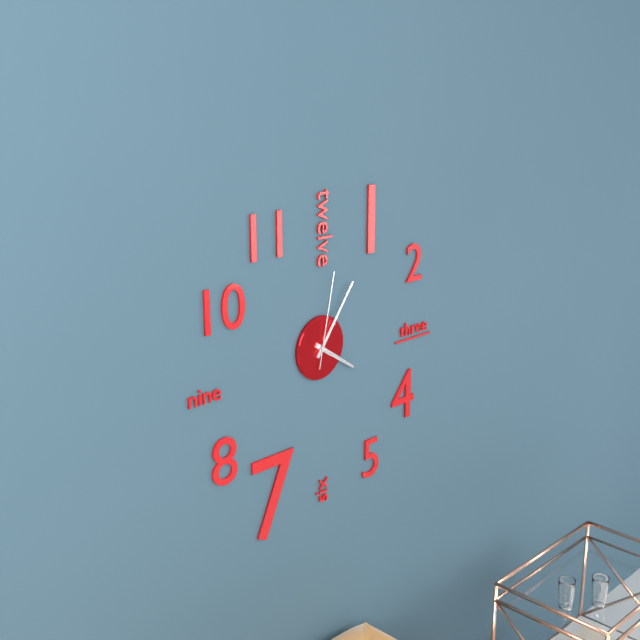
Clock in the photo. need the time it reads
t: 4:06:02
